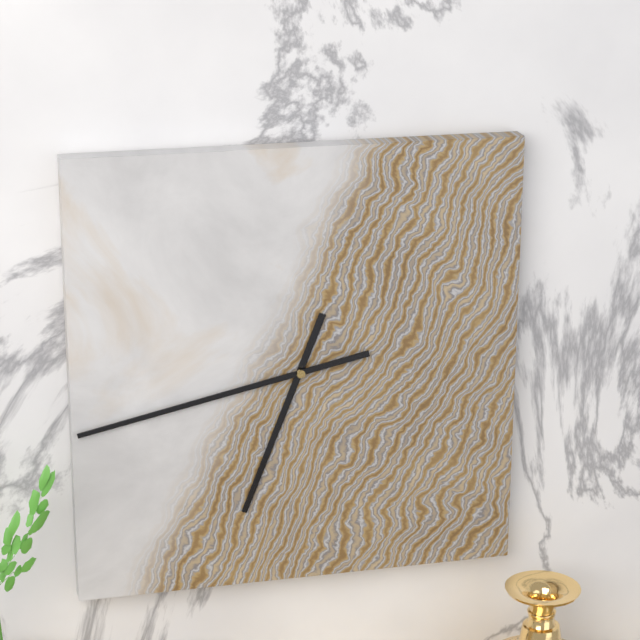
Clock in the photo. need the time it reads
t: 6:43
